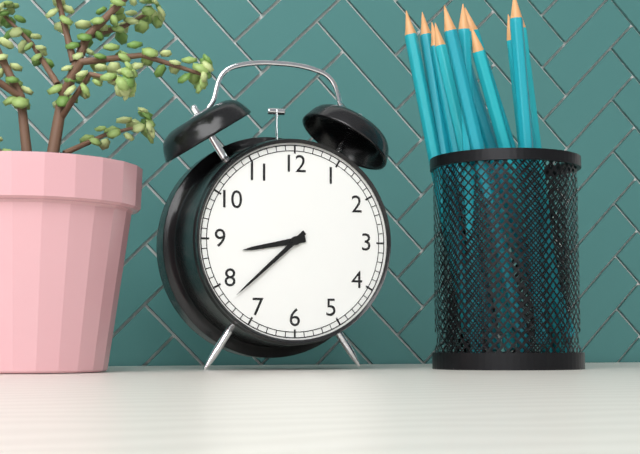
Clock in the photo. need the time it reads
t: 8:38
